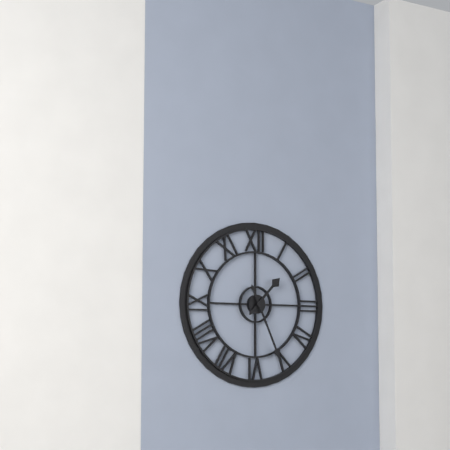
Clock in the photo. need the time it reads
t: 1:26
